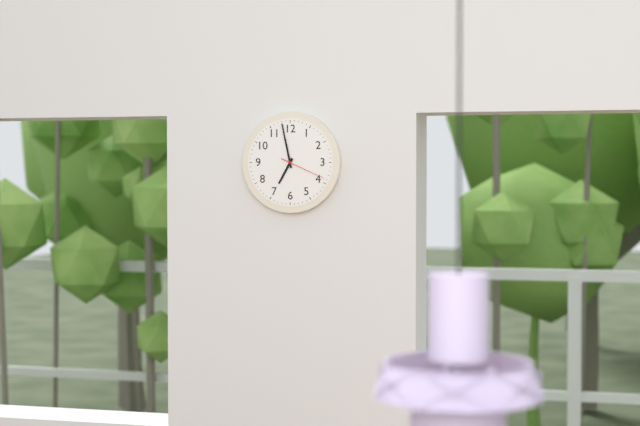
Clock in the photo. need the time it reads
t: 6:58
